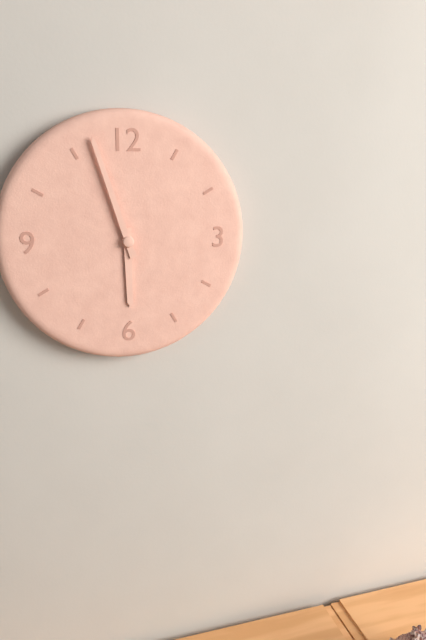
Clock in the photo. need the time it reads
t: 5:57
